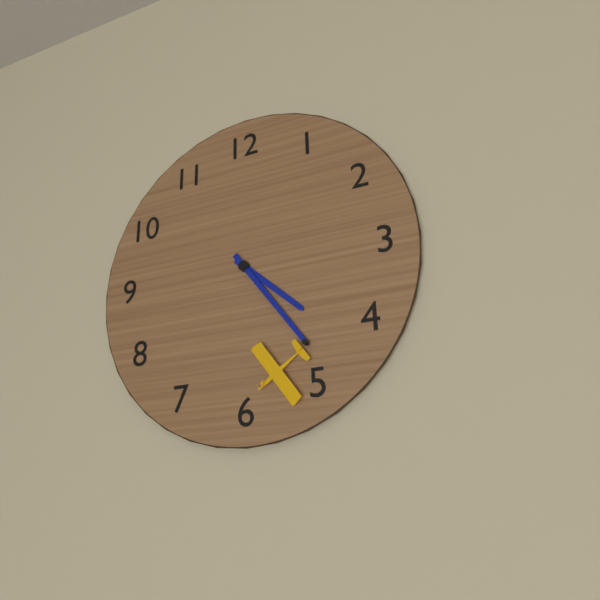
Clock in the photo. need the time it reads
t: 4:24
